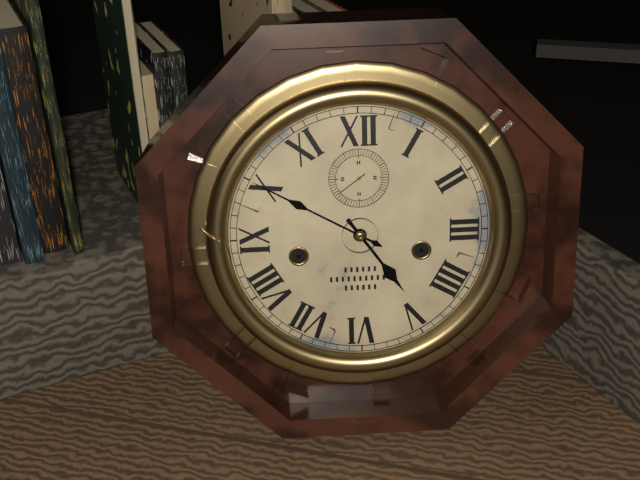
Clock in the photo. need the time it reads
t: 4:50
